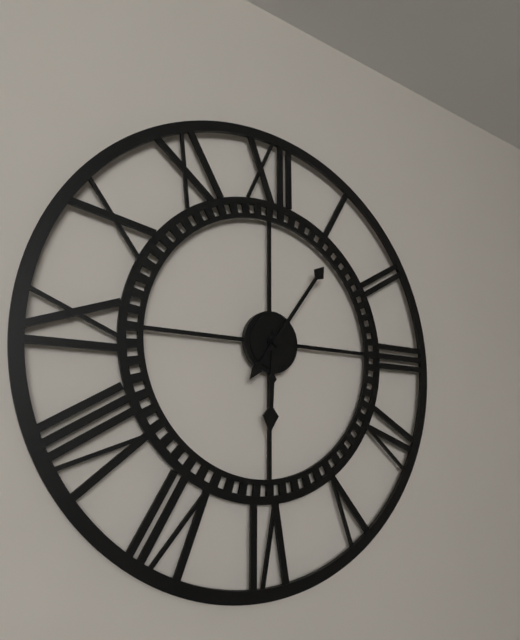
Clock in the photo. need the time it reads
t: 6:06
